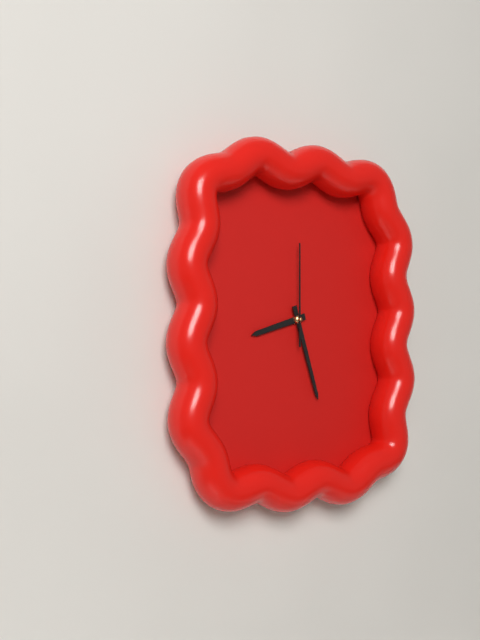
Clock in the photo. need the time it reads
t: 8:27:00
